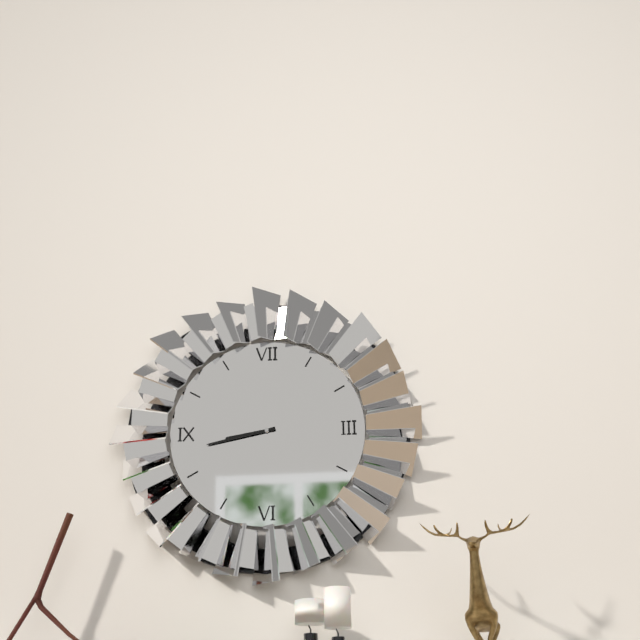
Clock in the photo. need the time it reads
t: 8:43
